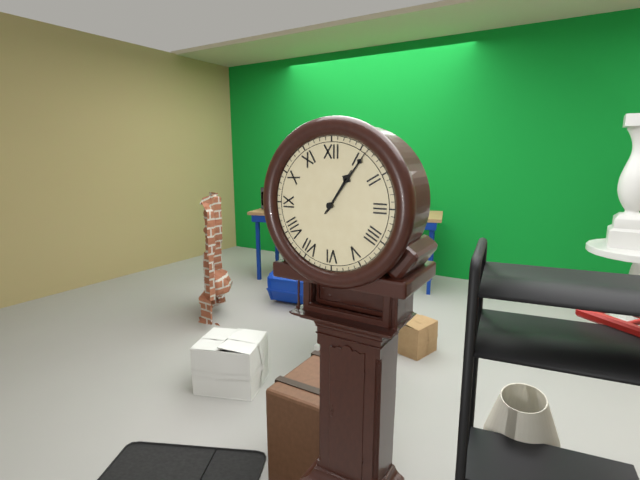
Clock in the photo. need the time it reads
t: 1:06
